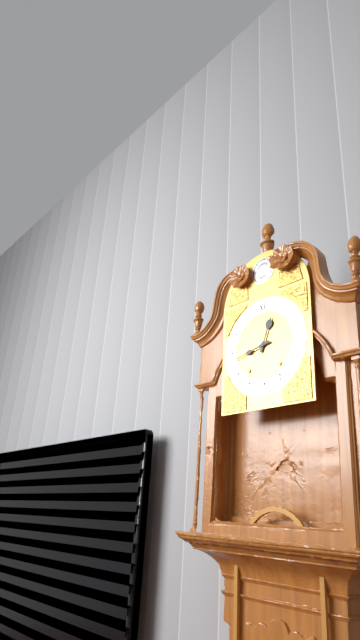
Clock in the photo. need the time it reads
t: 12:43
